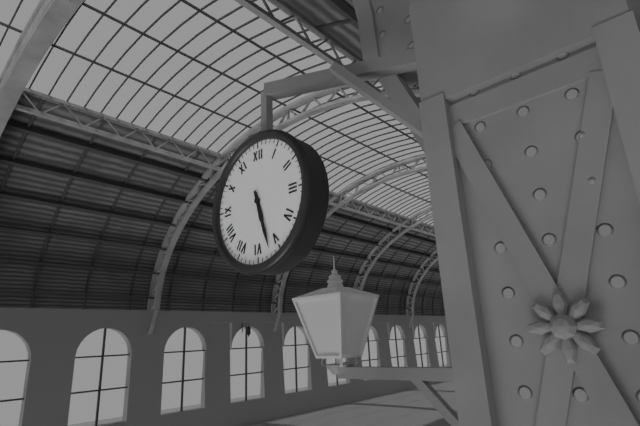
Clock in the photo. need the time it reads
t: 5:27
